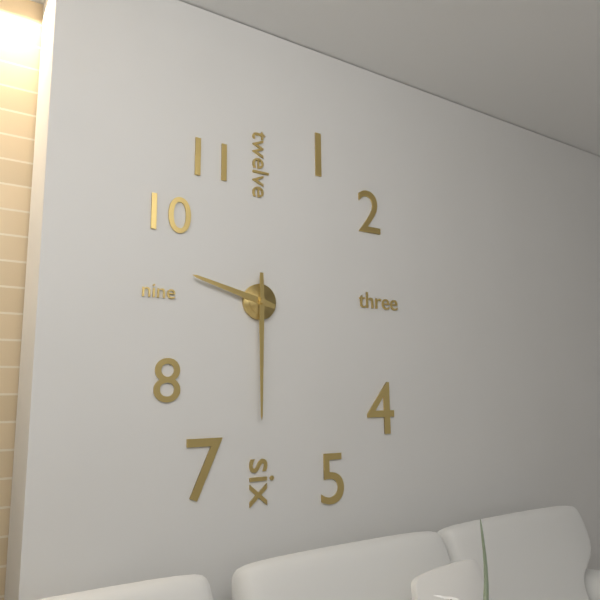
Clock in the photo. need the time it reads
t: 9:30
